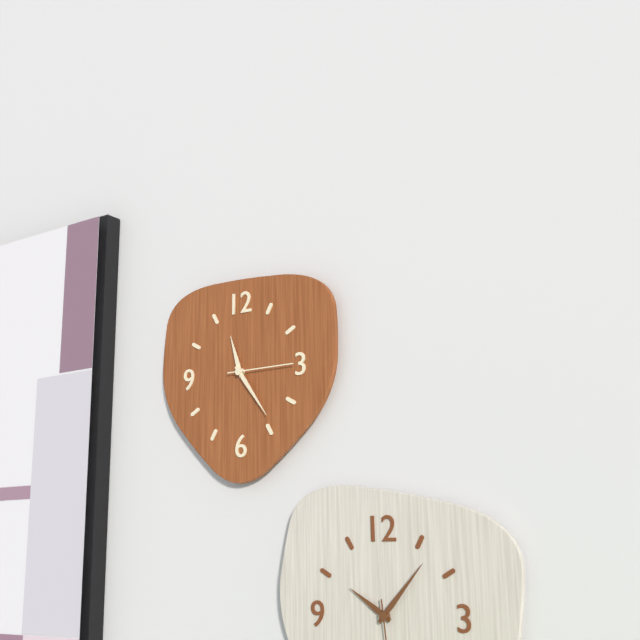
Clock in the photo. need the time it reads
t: 11:24:15
